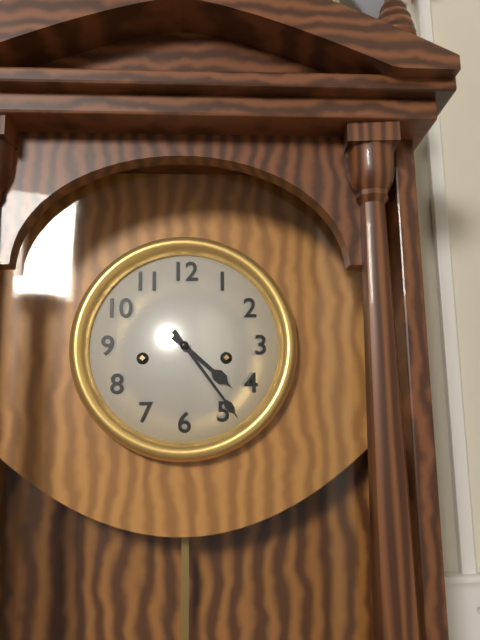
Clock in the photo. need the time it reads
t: 4:24
